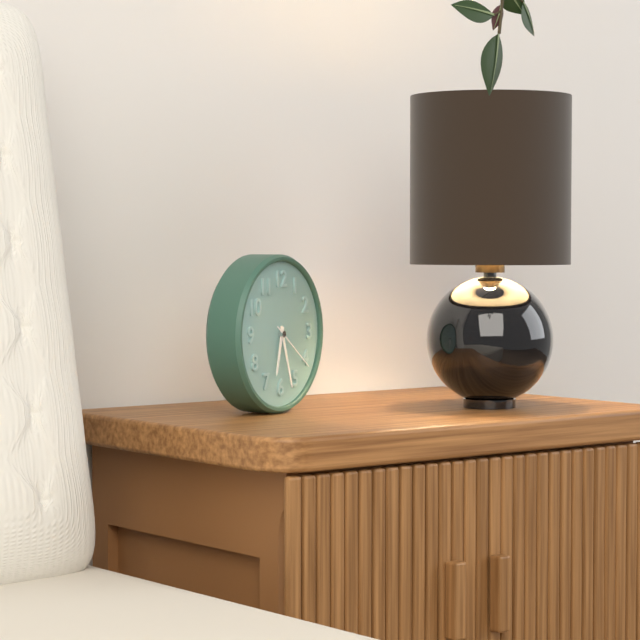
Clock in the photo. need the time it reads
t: 6:27:21
